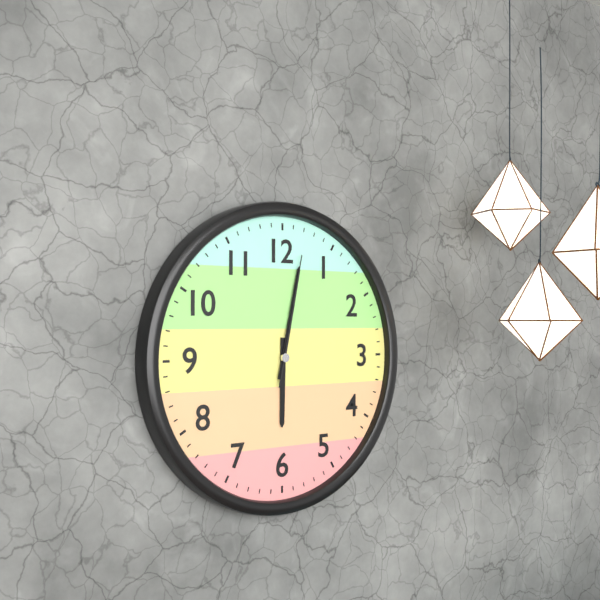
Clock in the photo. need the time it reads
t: 6:02:02
